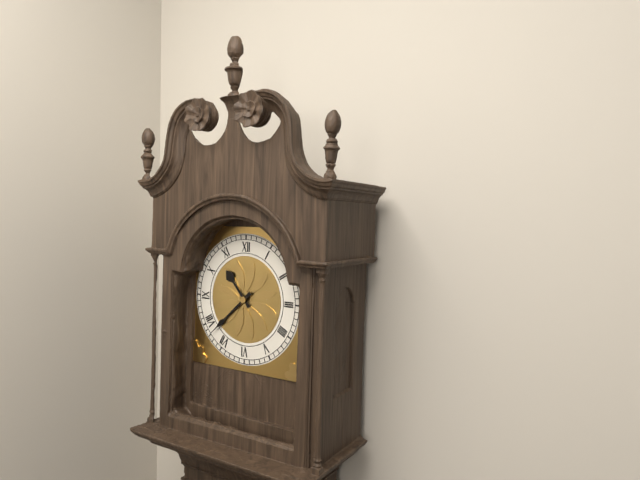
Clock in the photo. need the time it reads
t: 10:38
